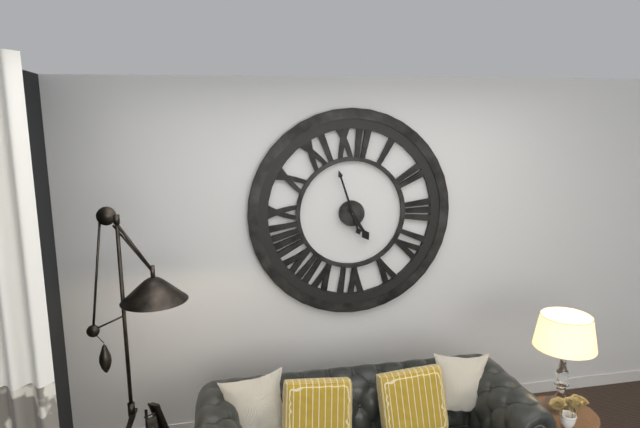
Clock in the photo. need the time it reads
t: 4:57
